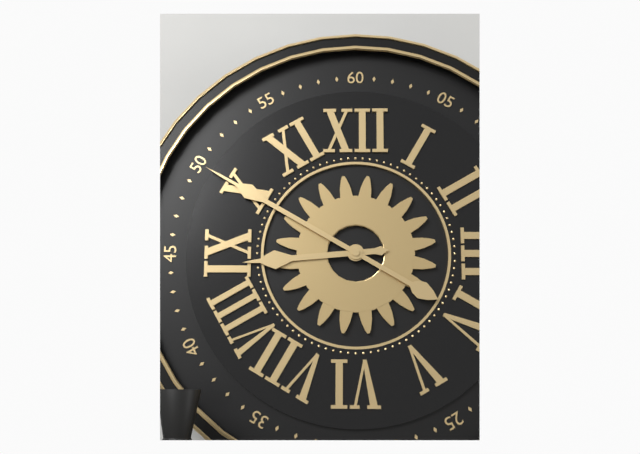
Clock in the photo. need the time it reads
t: 8:50
